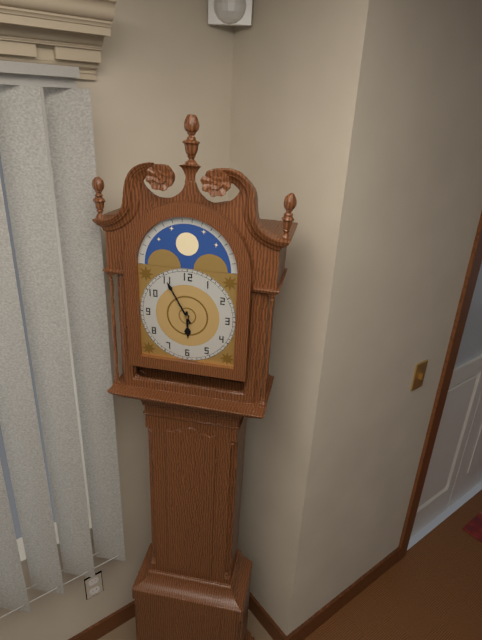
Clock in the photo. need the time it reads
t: 5:55
